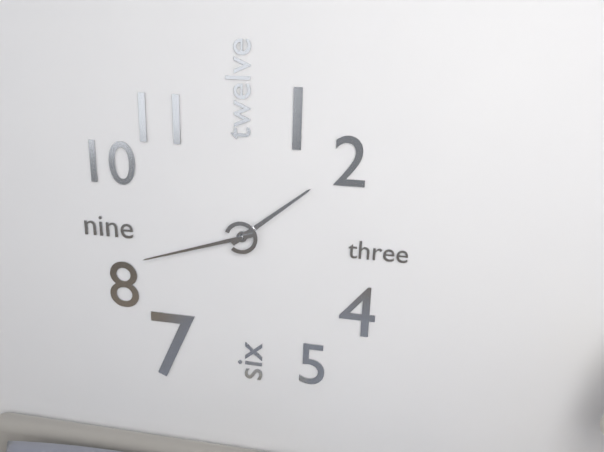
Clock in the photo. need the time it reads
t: 1:42
